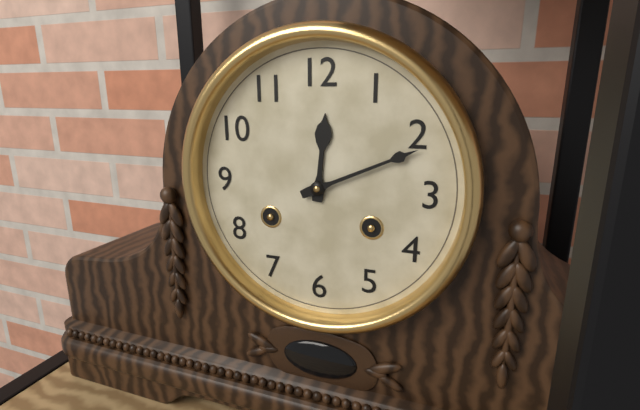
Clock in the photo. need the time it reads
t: 12:11
